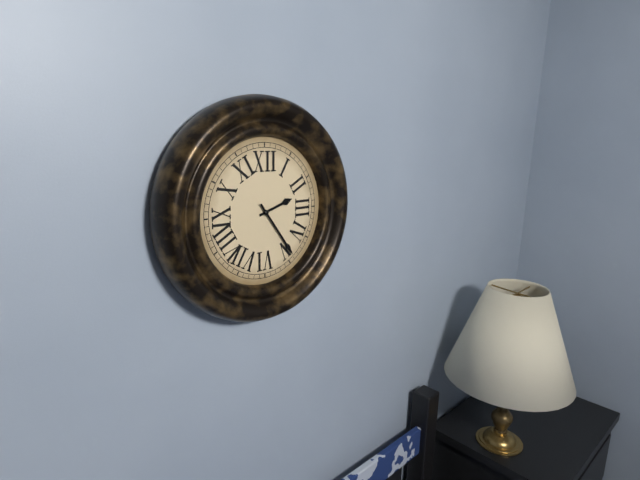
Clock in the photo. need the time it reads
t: 2:24
